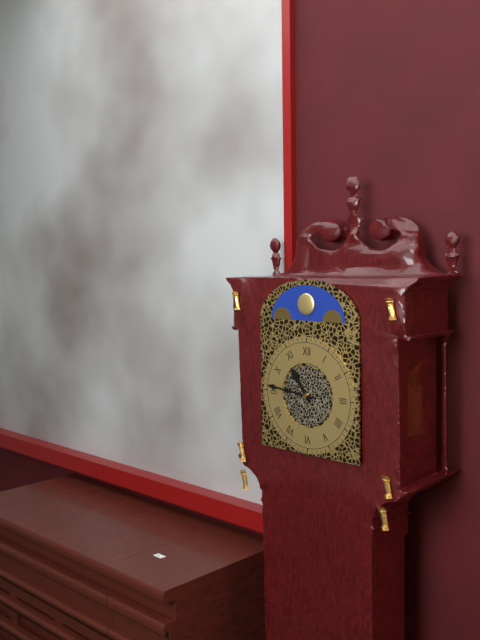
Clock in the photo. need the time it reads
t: 10:46
